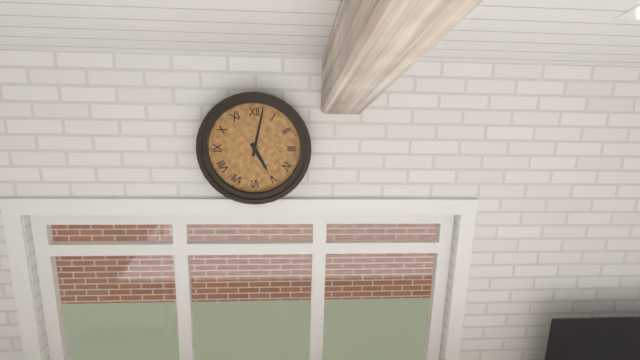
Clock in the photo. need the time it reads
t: 5:02
